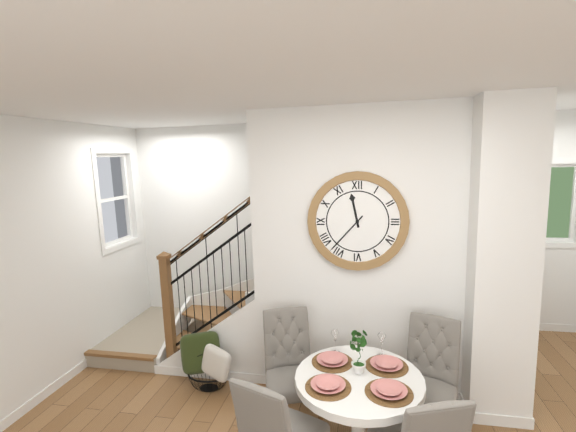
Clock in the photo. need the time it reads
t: 11:37
